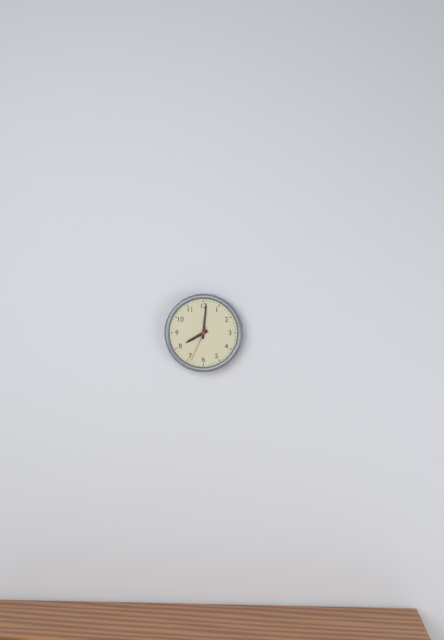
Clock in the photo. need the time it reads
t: 8:01
